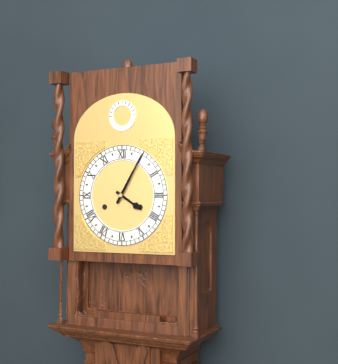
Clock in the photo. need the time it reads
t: 4:05
